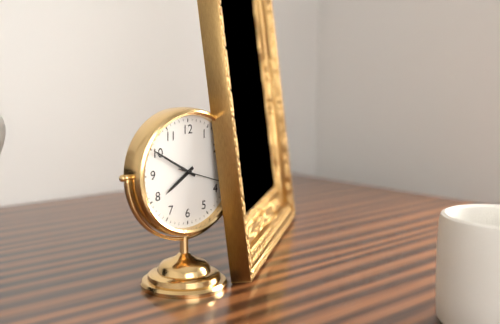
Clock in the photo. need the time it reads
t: 7:50
